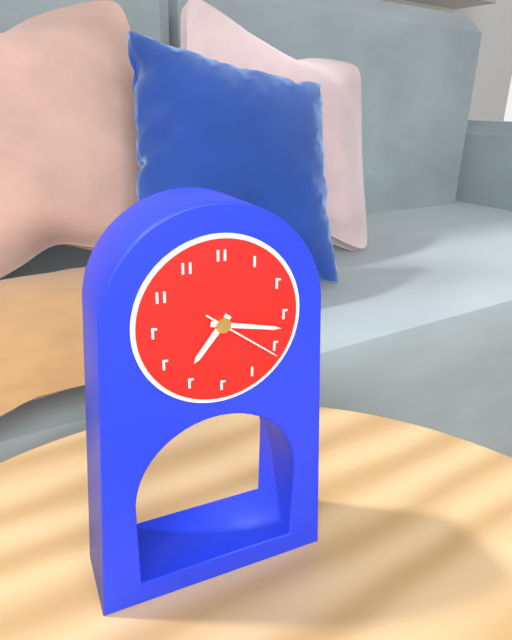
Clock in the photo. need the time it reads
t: 7:17:21
